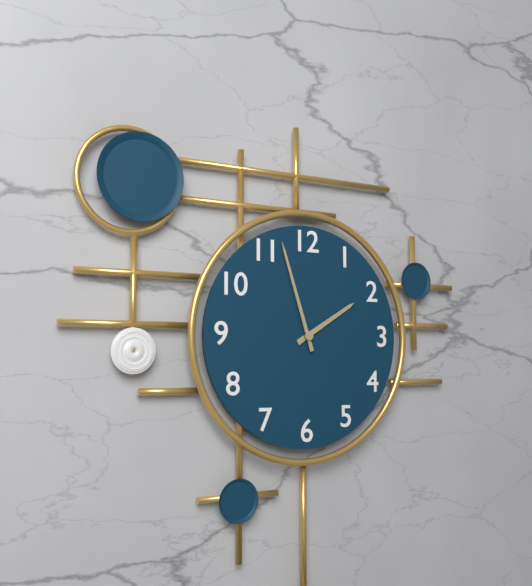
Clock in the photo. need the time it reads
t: 1:57
